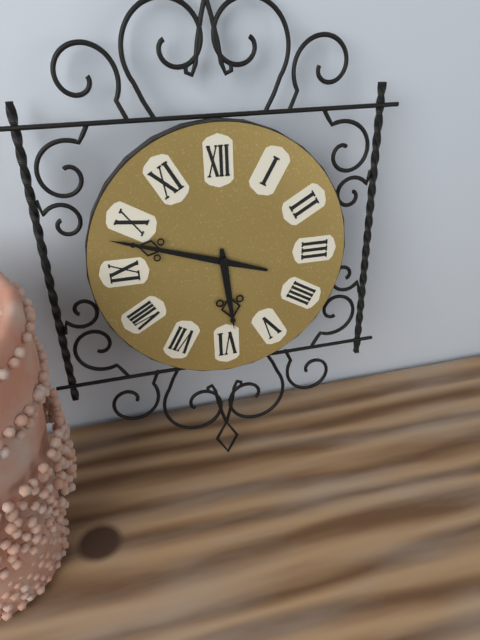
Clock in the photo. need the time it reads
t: 5:48
